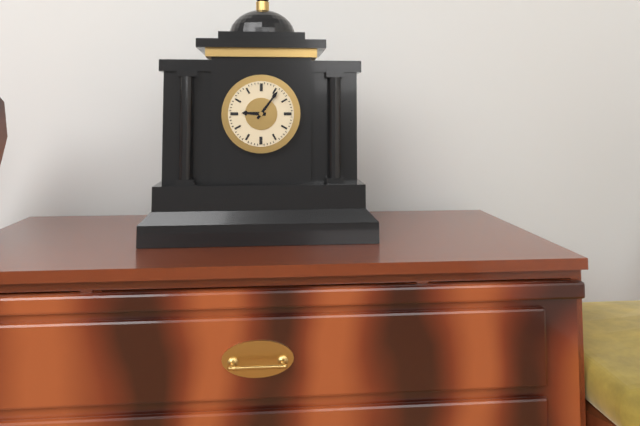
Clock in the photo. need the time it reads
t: 9:06
